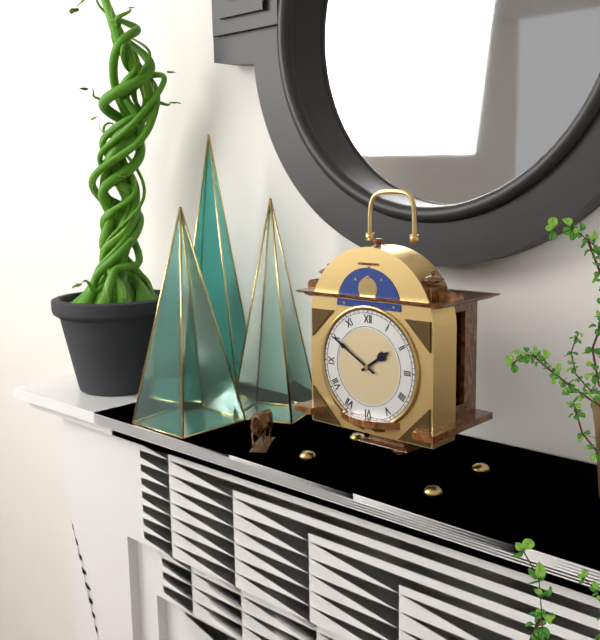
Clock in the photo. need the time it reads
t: 1:50
